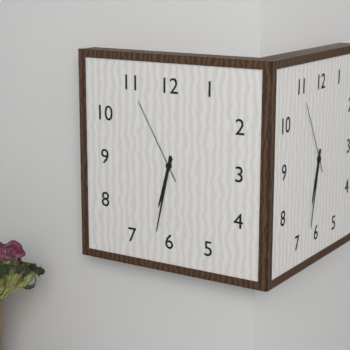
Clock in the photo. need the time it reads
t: 6:32:55
